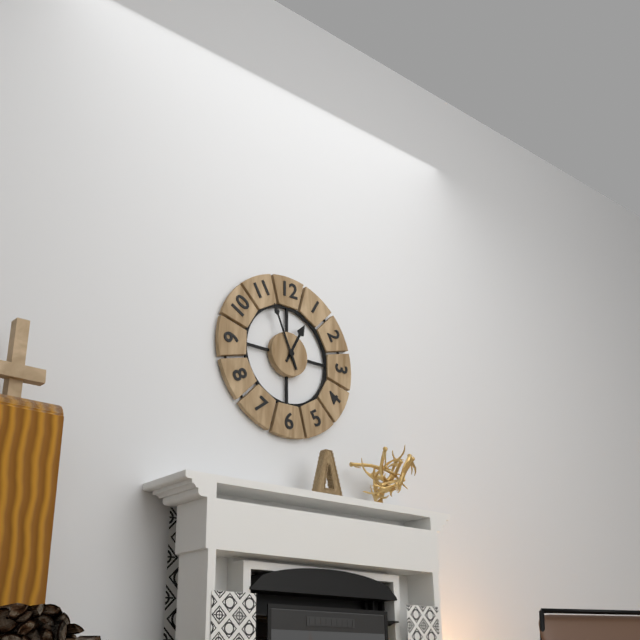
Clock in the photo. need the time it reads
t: 12:56
